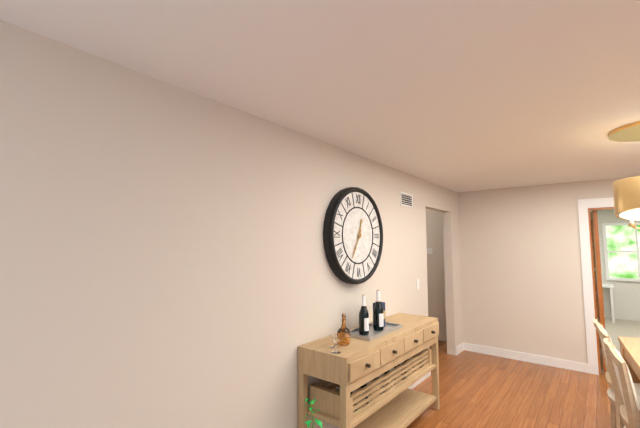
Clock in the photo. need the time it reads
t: 12:35
